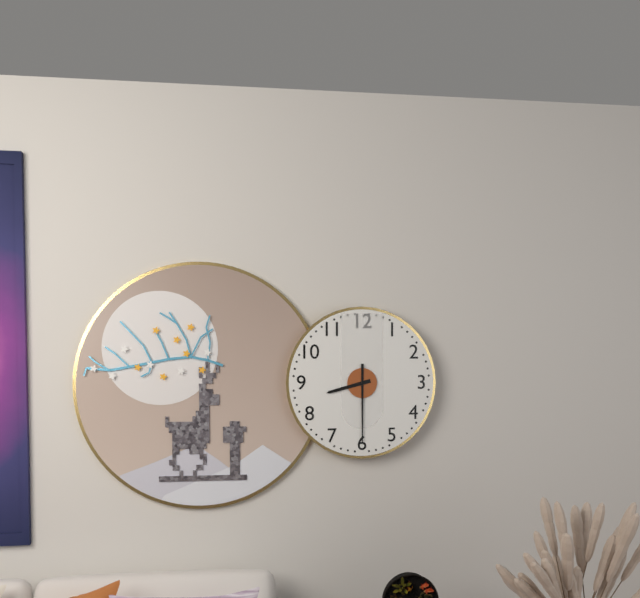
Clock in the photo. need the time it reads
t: 8:30
